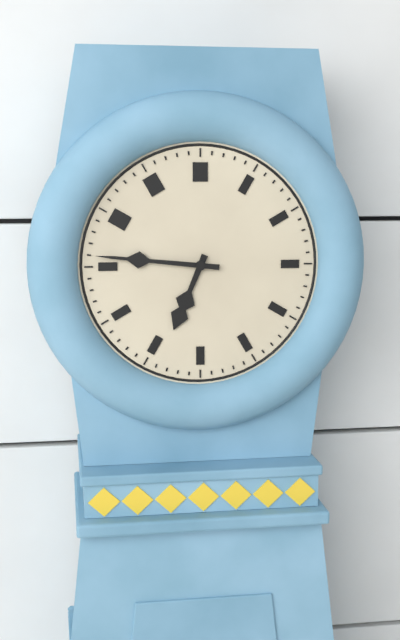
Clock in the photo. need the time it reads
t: 6:46
